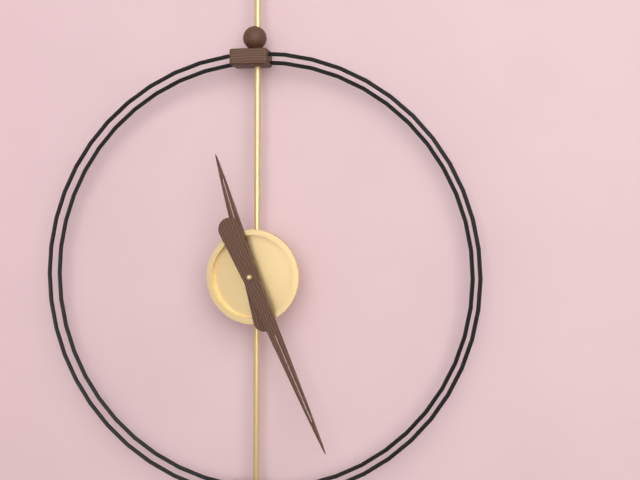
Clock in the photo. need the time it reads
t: 11:26
